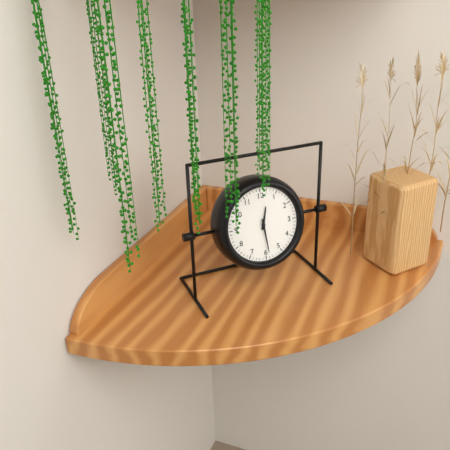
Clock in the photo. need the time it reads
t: 12:29
